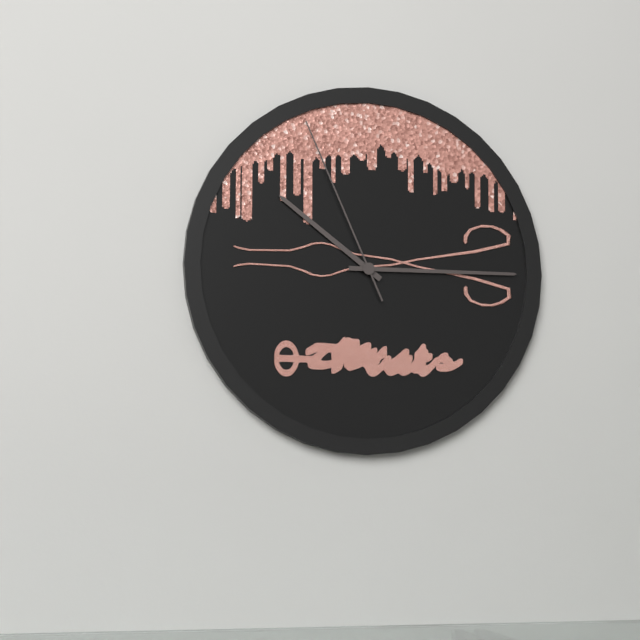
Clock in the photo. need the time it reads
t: 10:15:56
